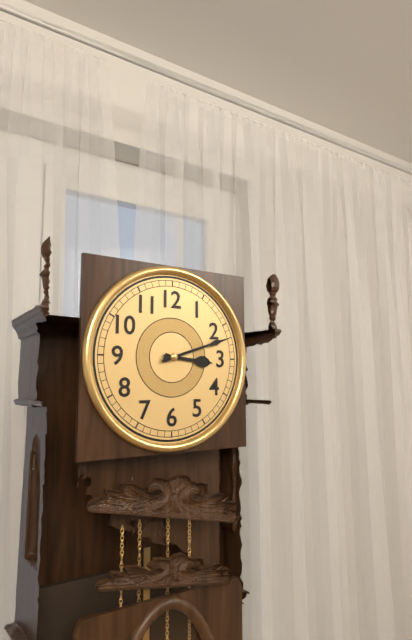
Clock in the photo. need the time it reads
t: 3:12
